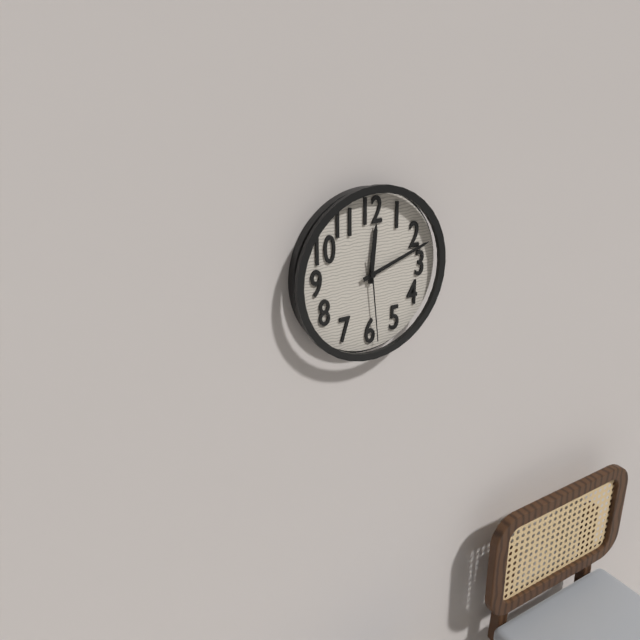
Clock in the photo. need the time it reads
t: 12:12:29
